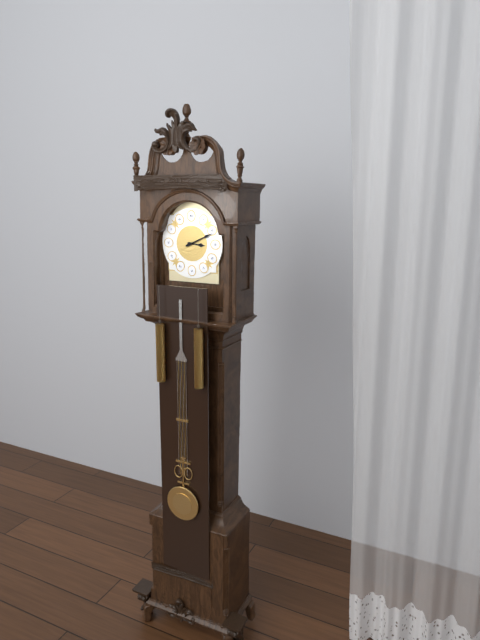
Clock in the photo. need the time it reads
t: 3:11
